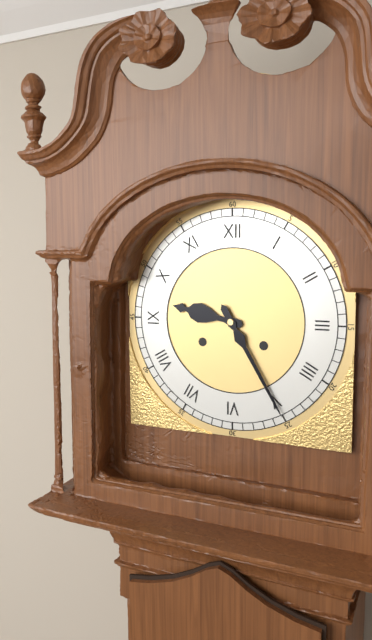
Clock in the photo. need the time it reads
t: 9:25
